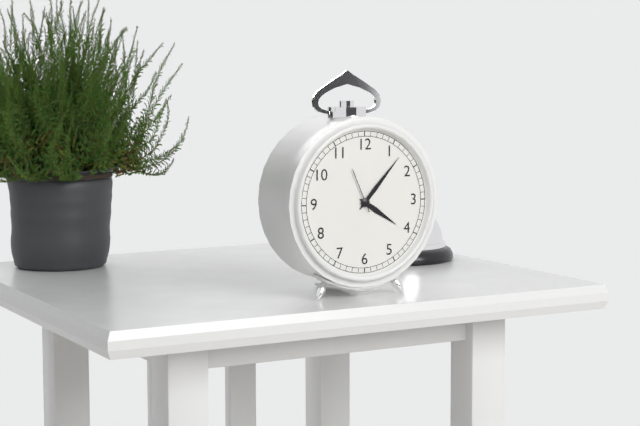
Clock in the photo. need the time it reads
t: 4:07
